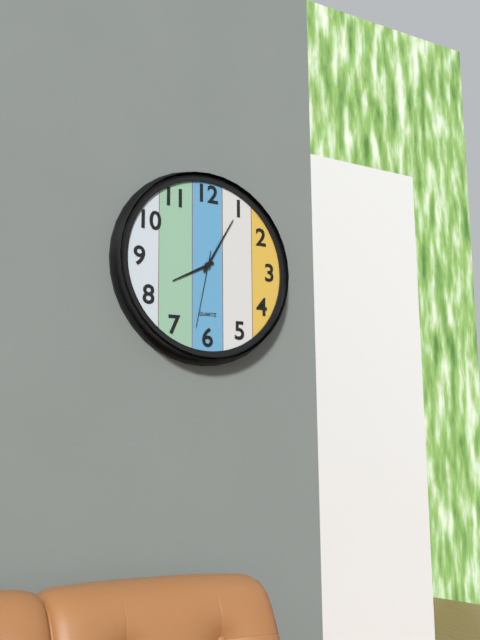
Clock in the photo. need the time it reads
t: 8:05:32
